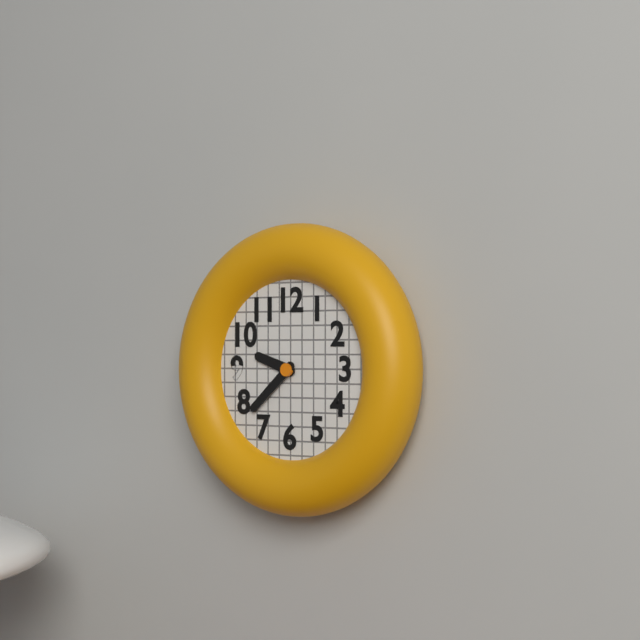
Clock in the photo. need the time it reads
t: 9:38
